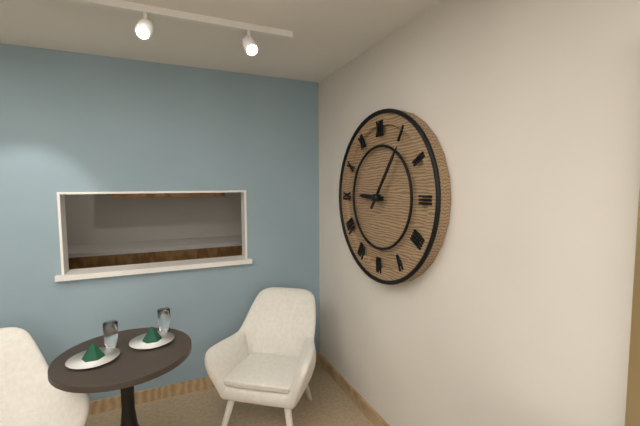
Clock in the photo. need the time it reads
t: 9:06
